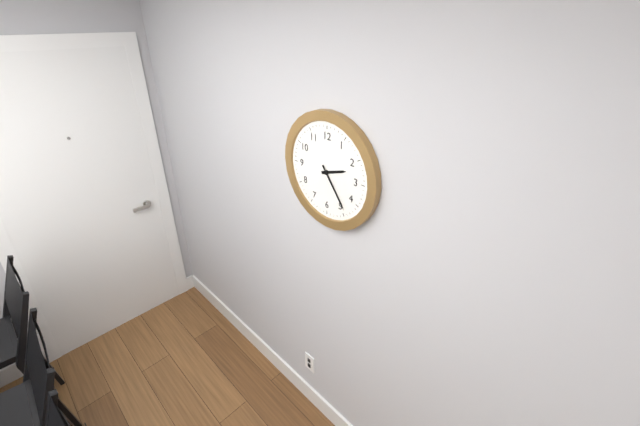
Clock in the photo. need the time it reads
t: 2:24
